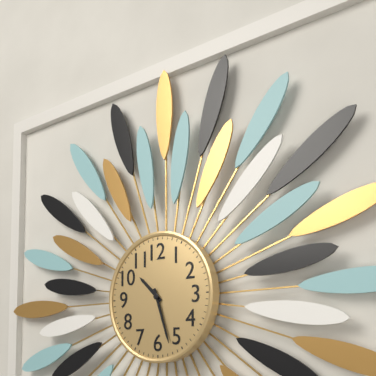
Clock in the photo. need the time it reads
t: 10:27
